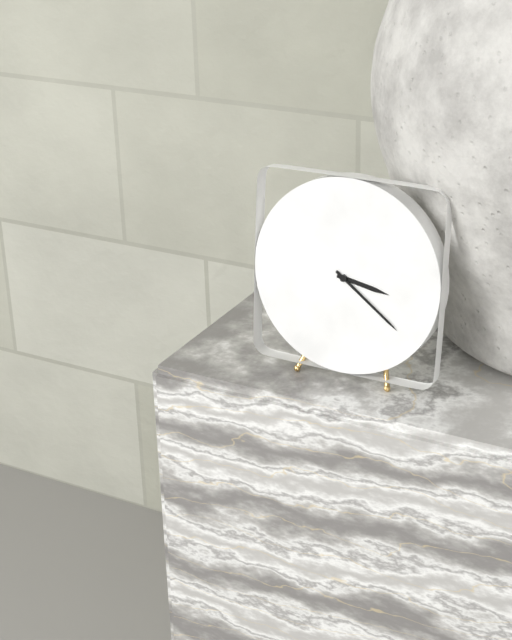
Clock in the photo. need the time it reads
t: 3:21
